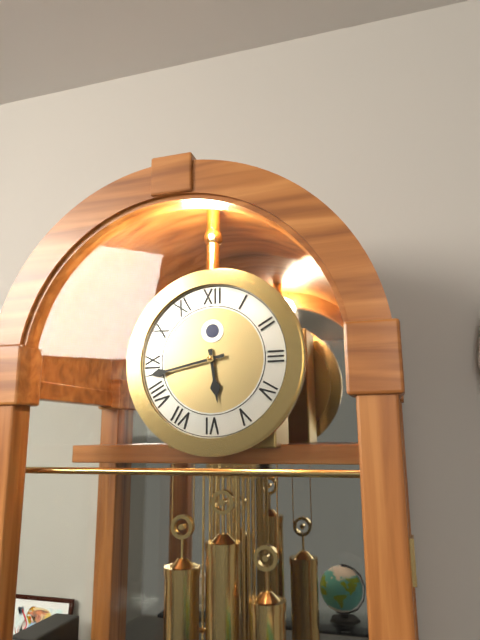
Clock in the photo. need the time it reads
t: 5:43
